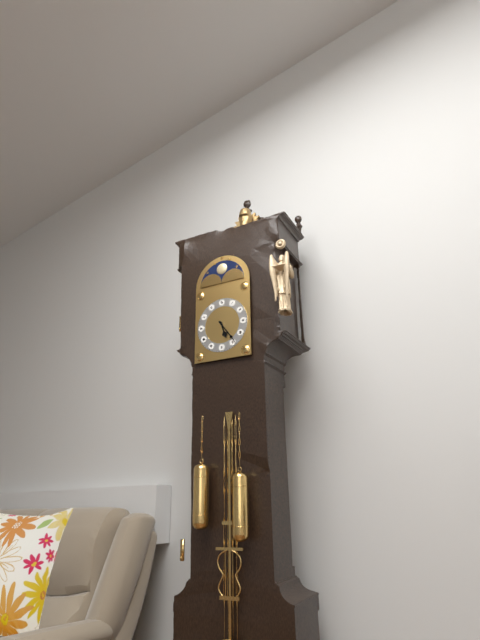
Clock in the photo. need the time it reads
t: 5:24
